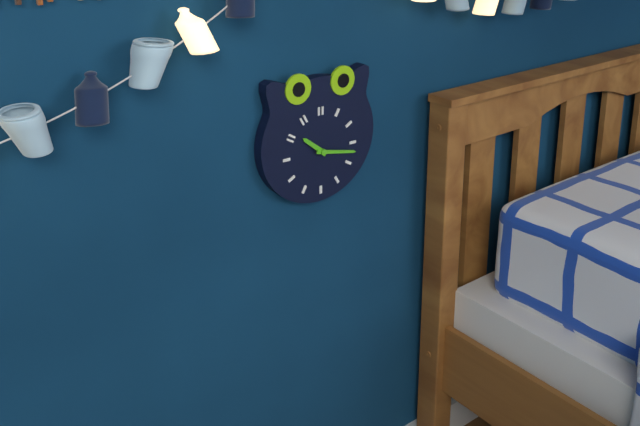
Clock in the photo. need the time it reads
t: 10:17
